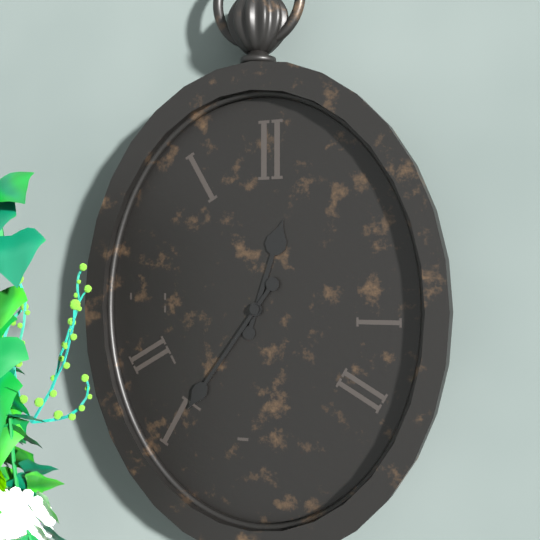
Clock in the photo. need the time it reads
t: 12:36
